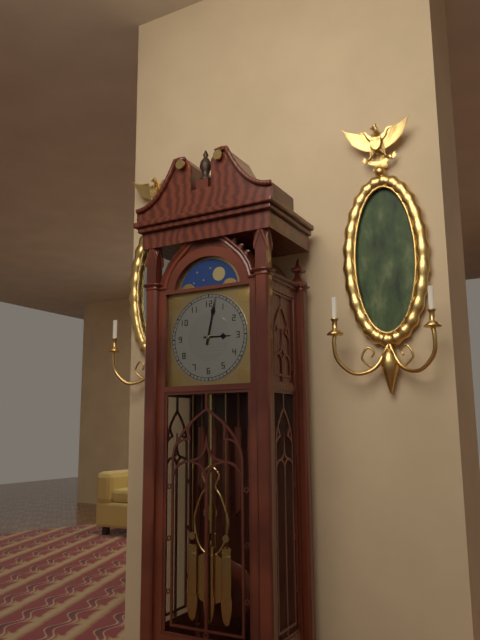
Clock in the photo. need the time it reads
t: 3:02
